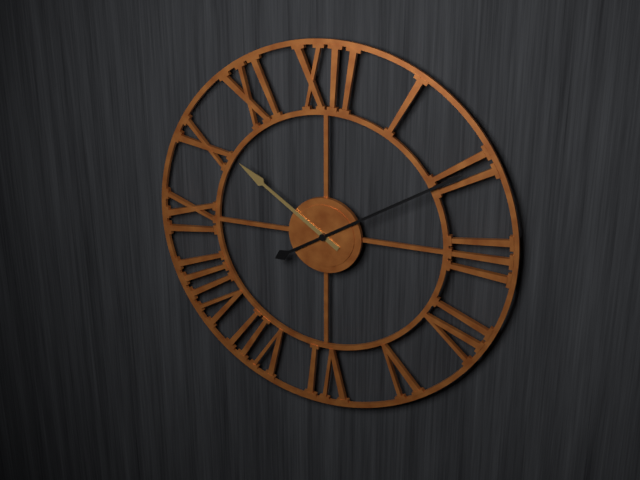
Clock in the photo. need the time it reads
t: 10:10
